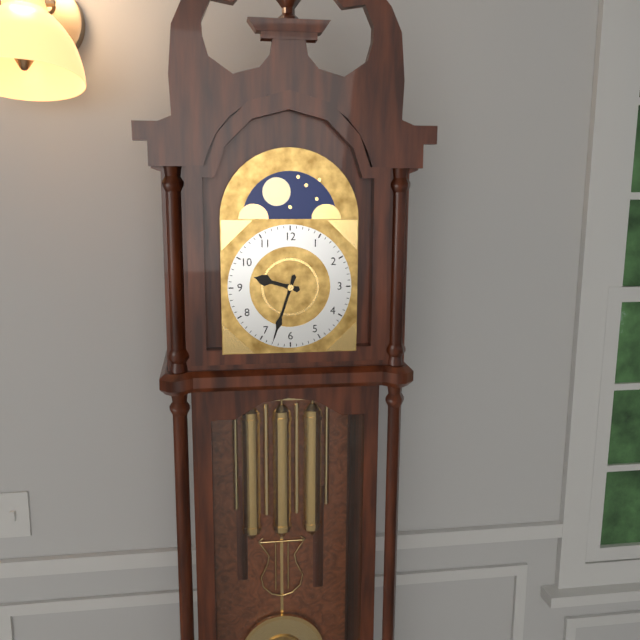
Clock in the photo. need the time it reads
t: 9:33
